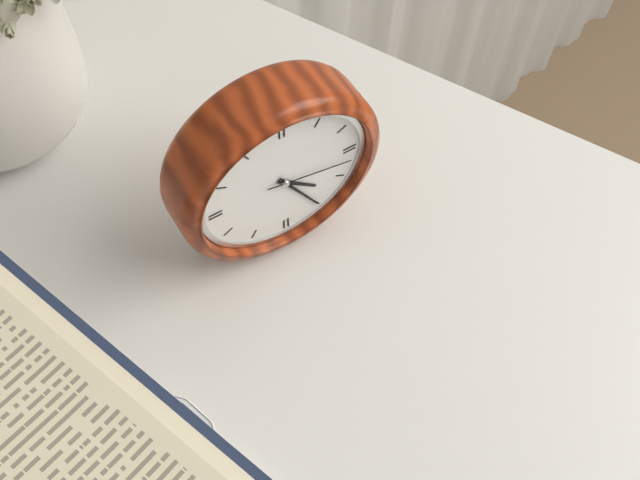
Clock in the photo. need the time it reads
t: 4:25:17
